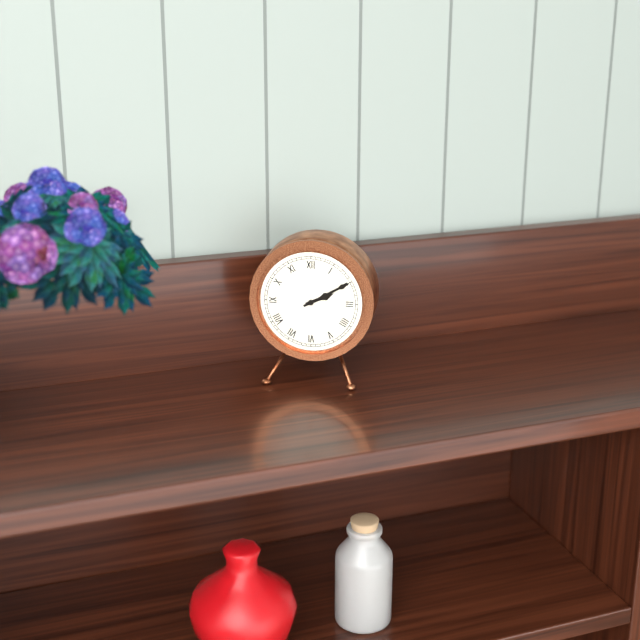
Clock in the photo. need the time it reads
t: 2:10
